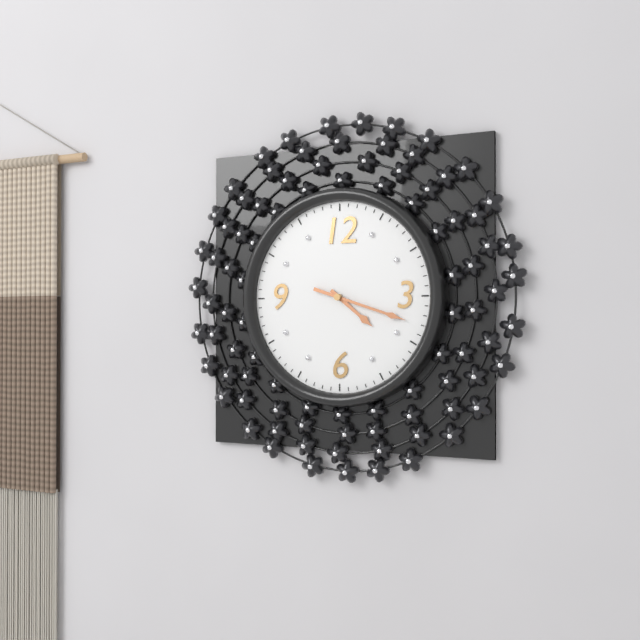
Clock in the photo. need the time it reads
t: 4:18
